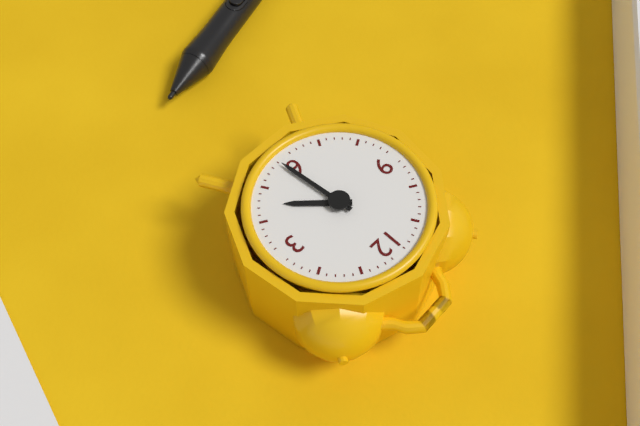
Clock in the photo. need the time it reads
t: 4:29
